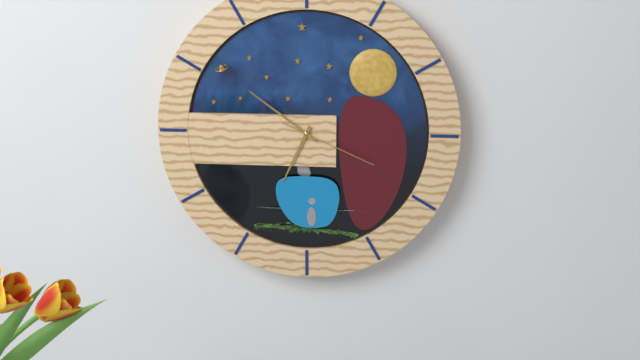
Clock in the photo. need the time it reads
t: 6:51:19
